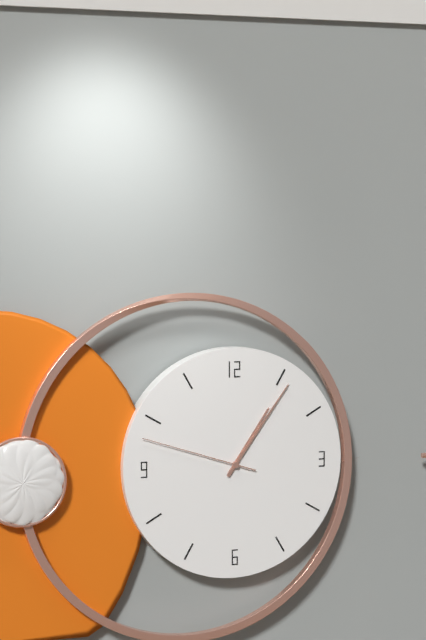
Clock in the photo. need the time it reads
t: 1:06:48
